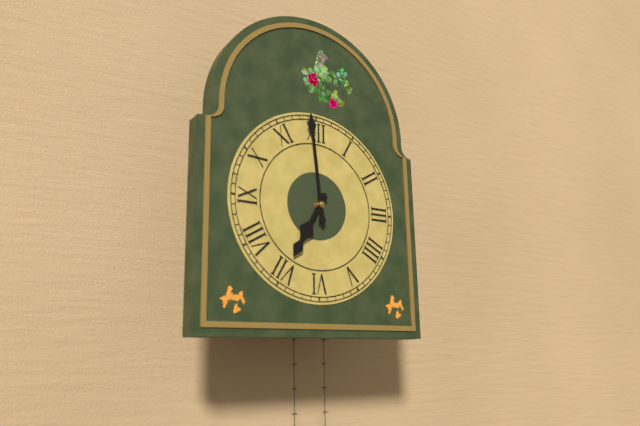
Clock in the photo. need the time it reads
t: 6:59
